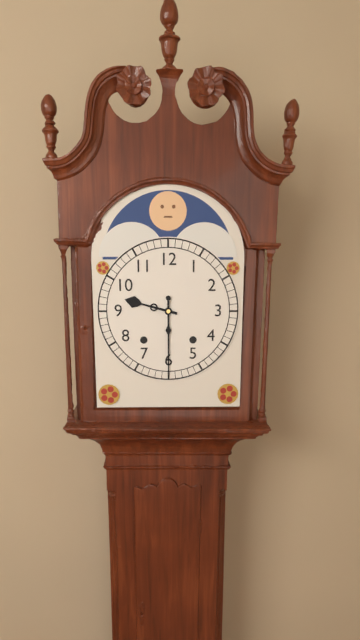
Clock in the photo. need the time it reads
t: 9:30
